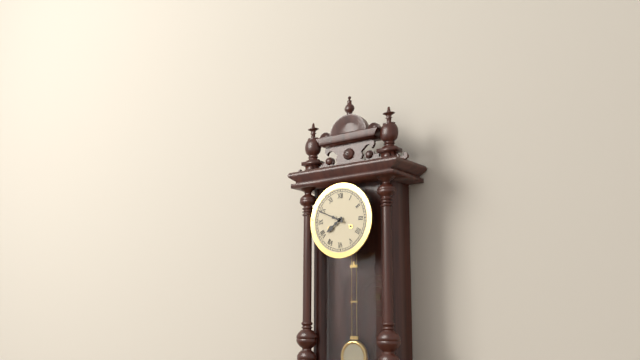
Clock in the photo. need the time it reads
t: 7:49
